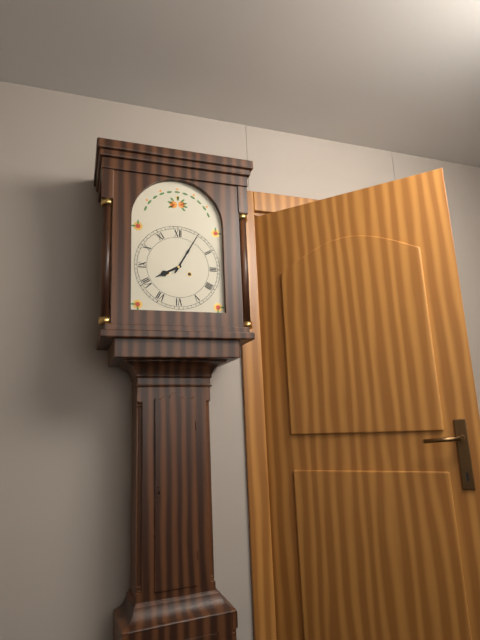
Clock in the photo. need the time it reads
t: 8:05
